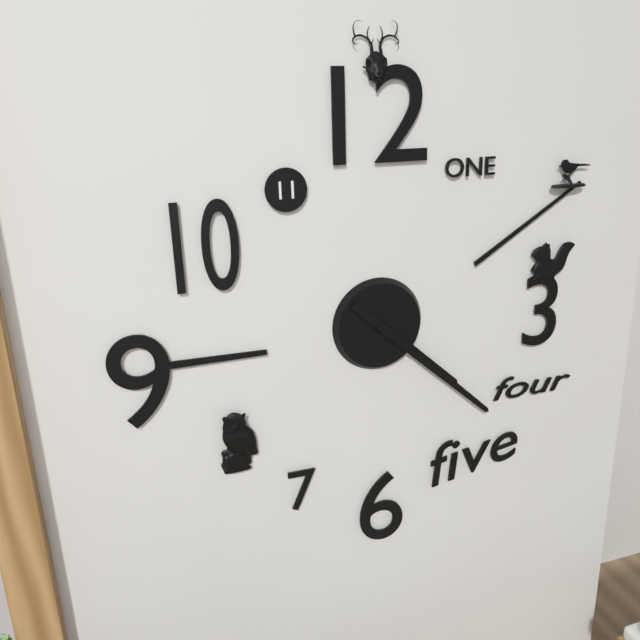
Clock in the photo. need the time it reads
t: 4:22
